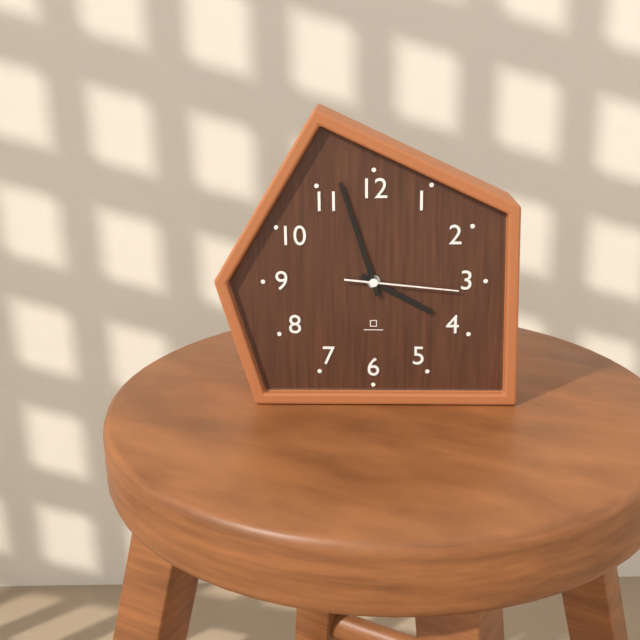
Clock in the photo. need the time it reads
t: 3:57:16
